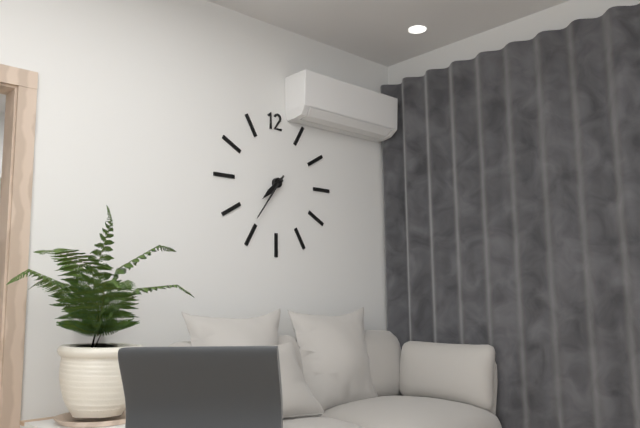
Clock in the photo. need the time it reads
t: 7:36
